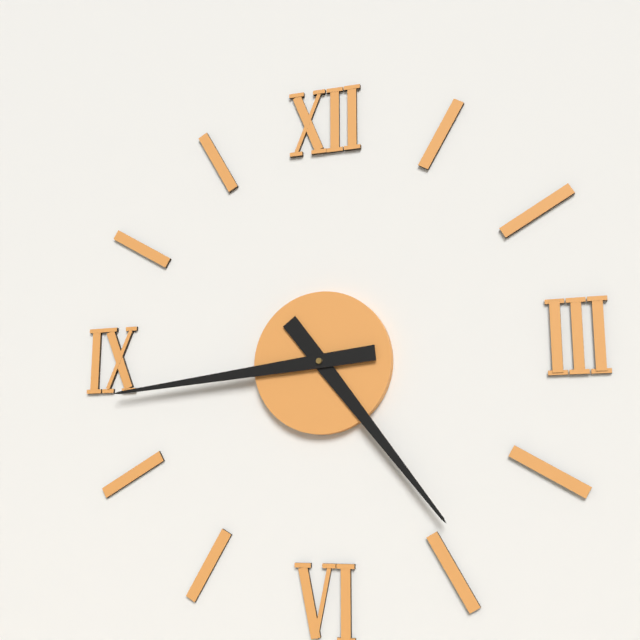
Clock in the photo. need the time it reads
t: 4:44
